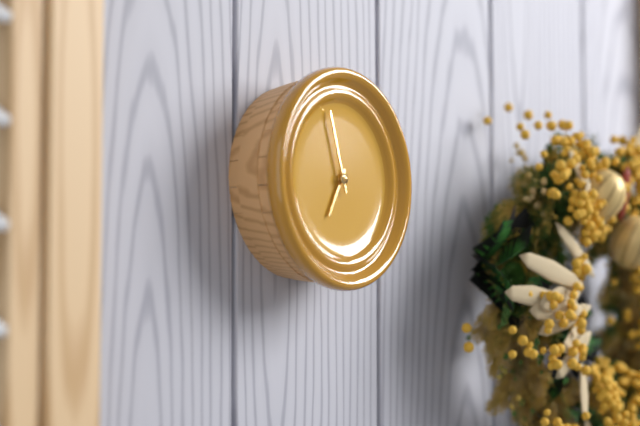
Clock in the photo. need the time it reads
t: 6:57
